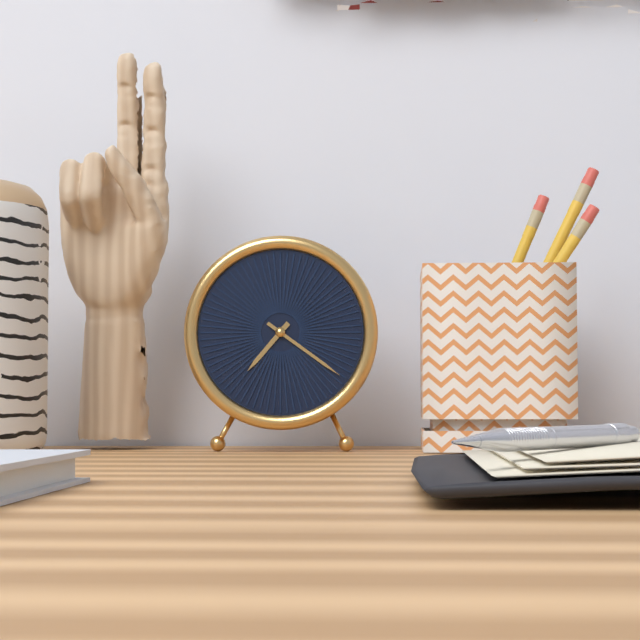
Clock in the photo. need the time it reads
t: 7:21
